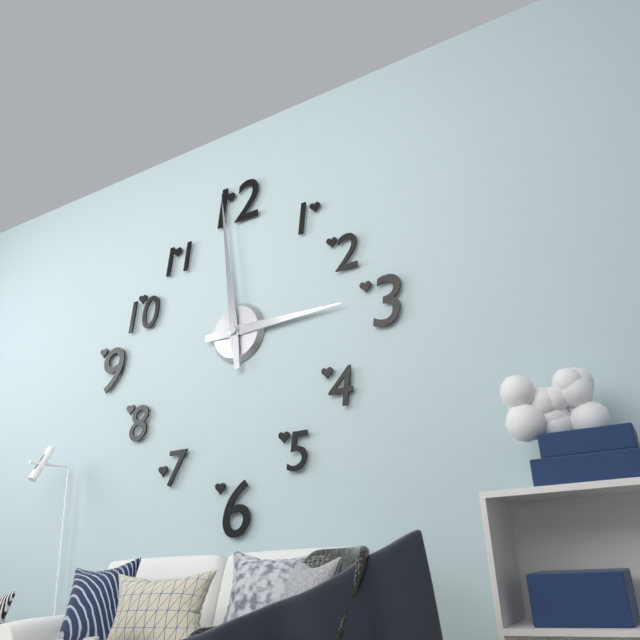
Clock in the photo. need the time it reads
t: 2:59
